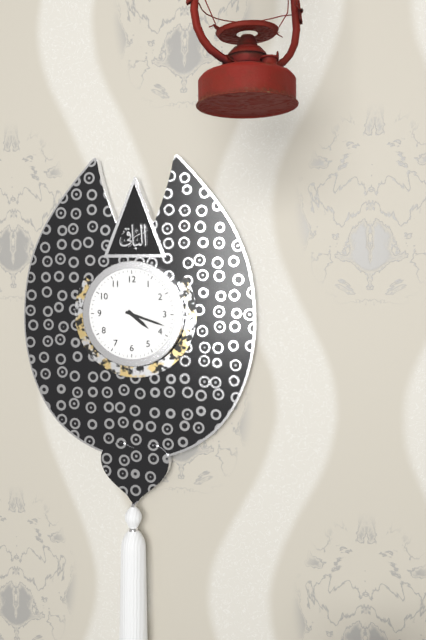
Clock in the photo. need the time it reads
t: 4:18
